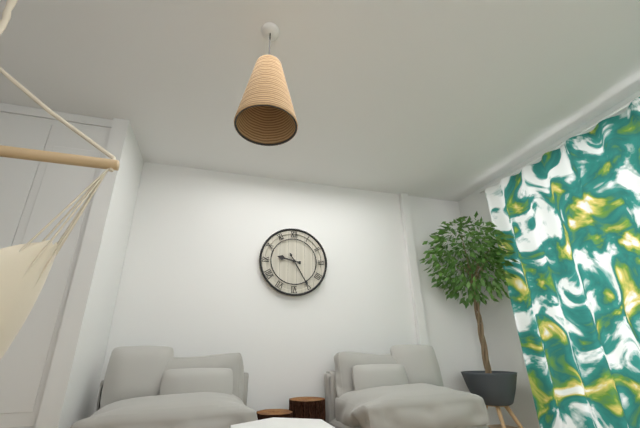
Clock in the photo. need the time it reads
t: 9:25
